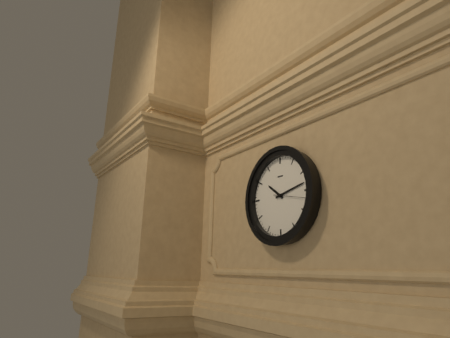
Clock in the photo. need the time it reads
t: 10:13
